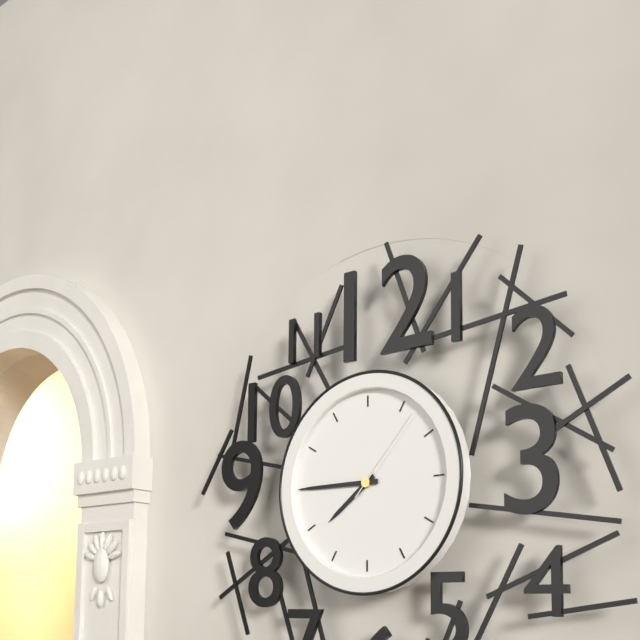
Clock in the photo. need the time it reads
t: 7:45:07
